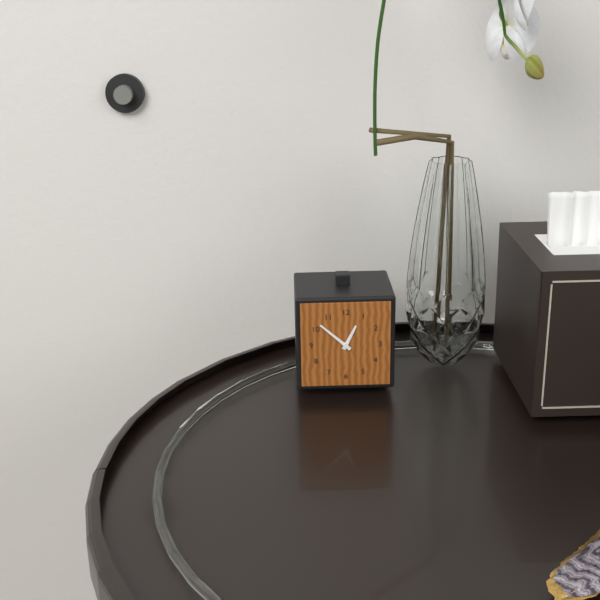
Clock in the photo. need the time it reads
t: 12:52
